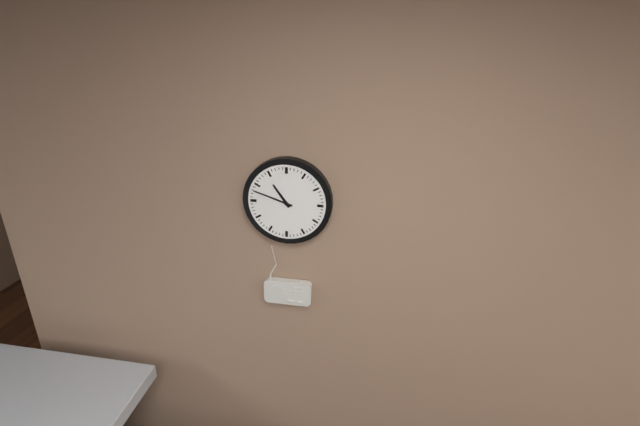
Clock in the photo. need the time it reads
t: 10:48
